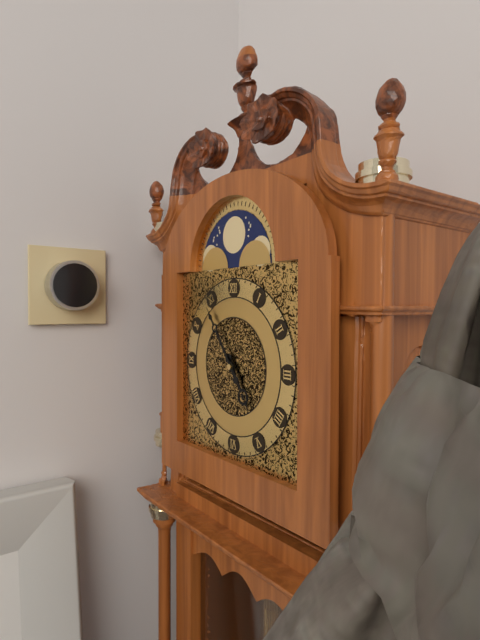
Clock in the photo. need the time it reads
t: 4:54
